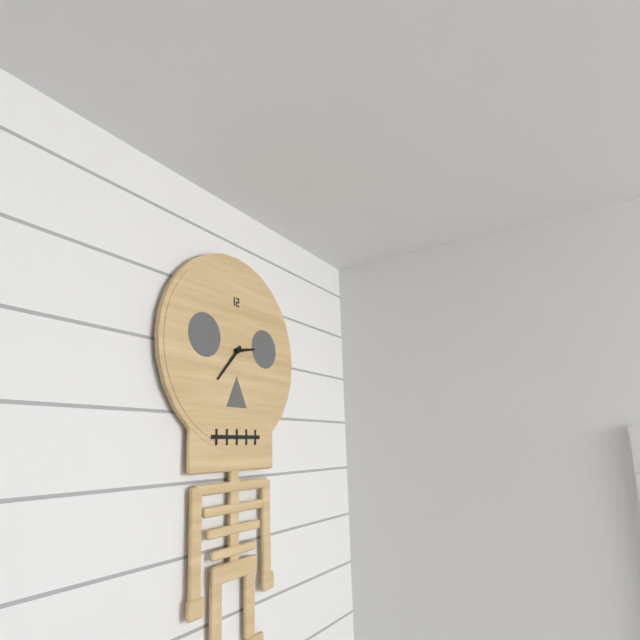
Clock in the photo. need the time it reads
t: 2:37
